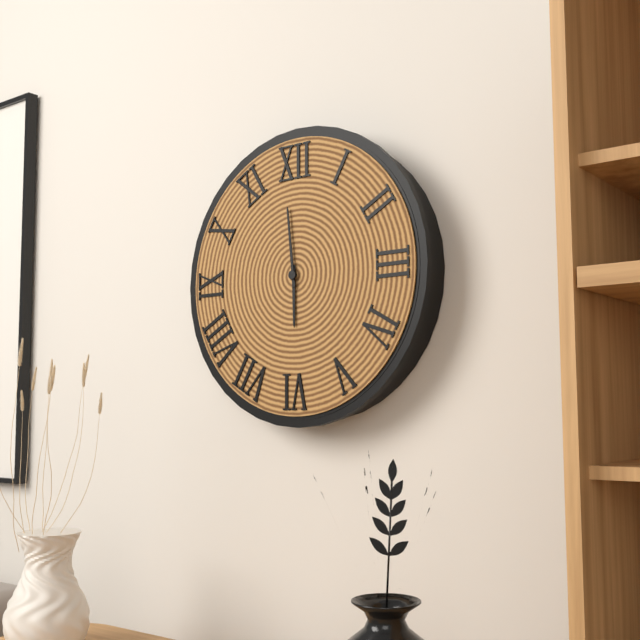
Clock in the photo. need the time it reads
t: 5:59
